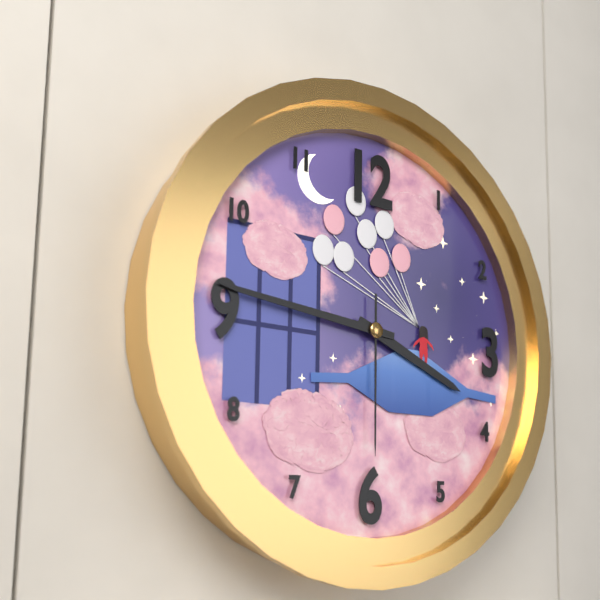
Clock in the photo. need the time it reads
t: 3:46:30
